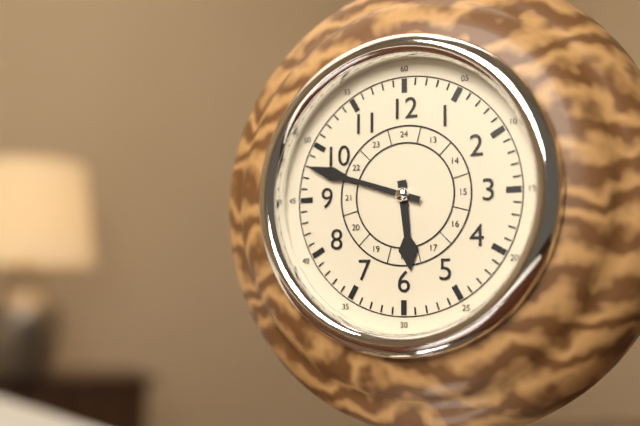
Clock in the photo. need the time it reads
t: 5:48
